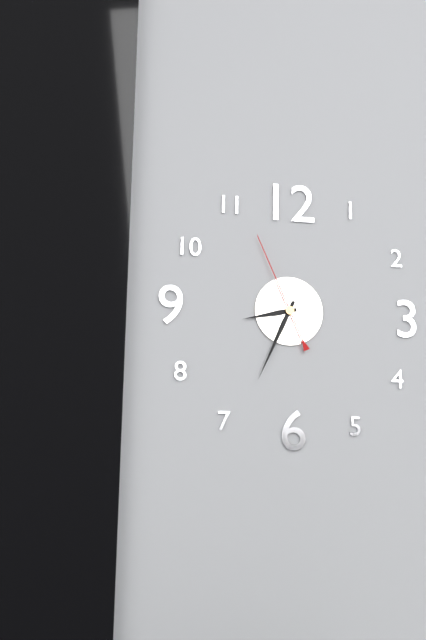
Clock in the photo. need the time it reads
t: 8:34:56
